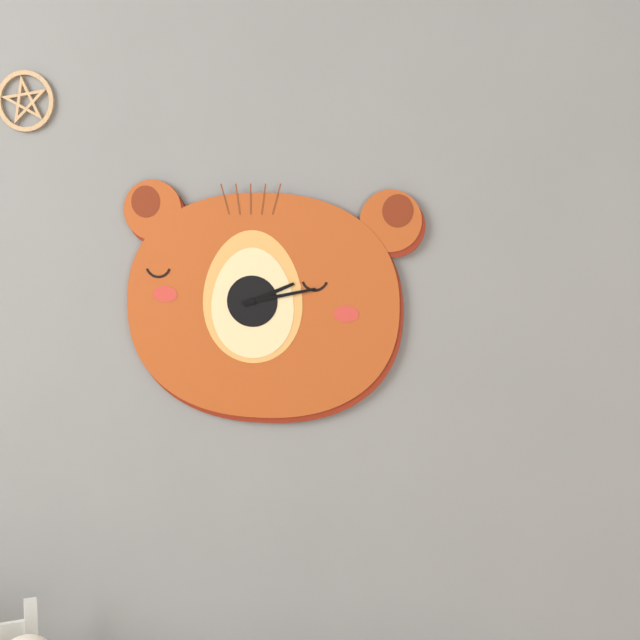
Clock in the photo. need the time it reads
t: 2:13
